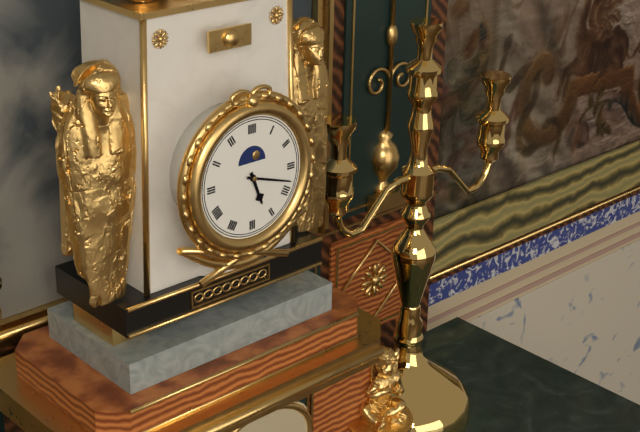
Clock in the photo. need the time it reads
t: 5:18
